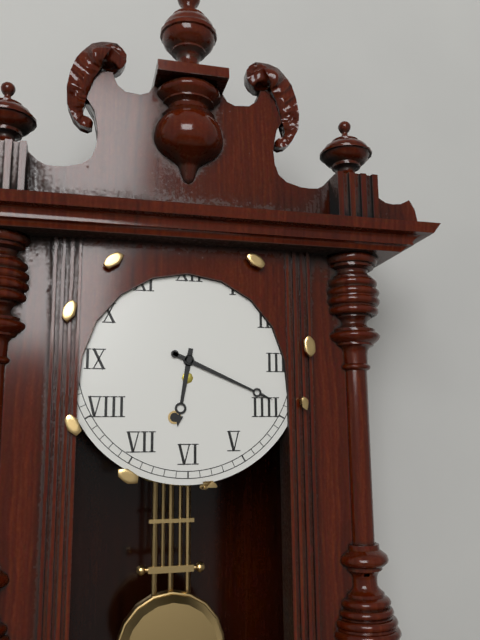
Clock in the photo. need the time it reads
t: 6:19
